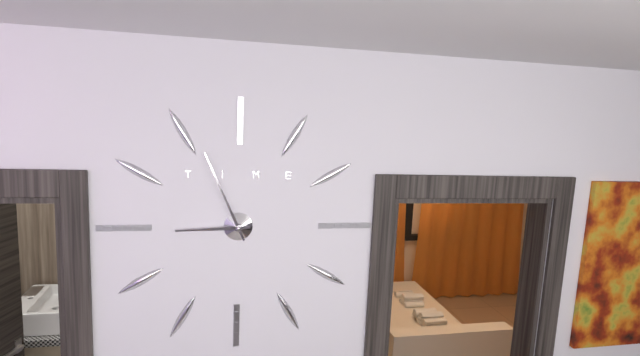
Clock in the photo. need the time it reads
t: 8:56
